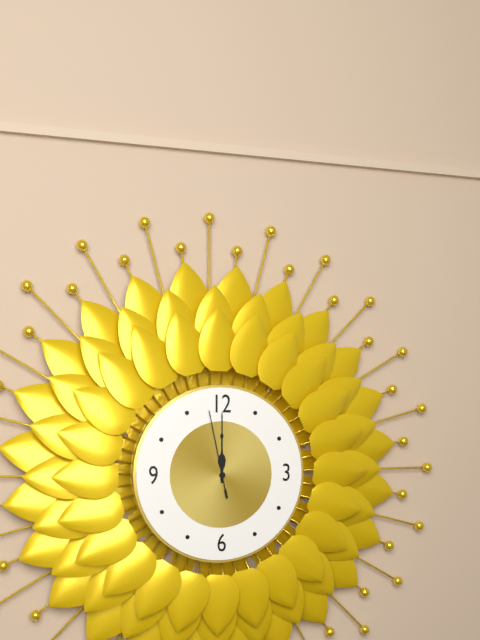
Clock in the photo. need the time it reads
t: 12:00:58
